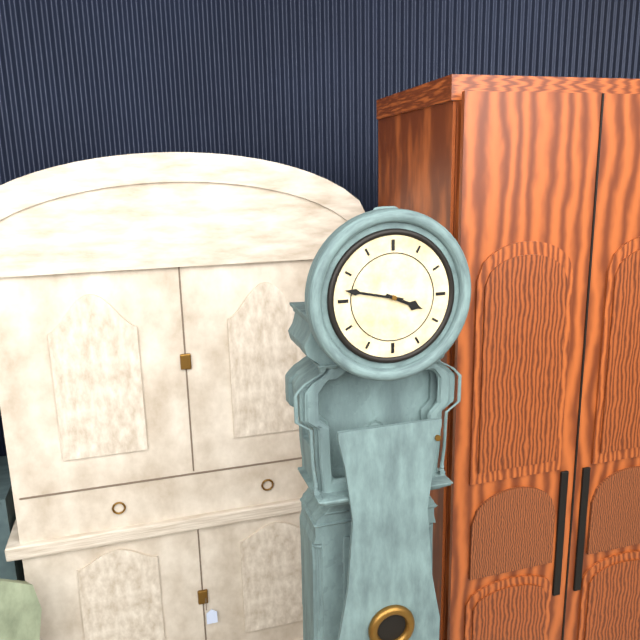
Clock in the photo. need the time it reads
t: 3:47
